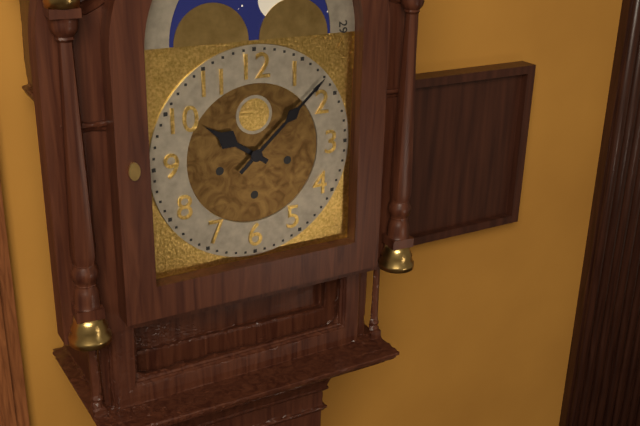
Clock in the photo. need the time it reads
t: 10:08
